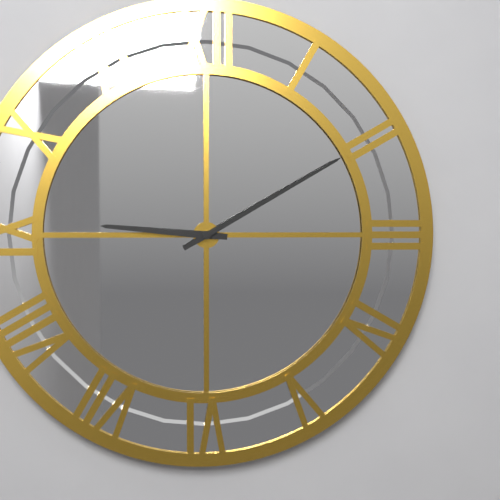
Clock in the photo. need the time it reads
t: 9:10
